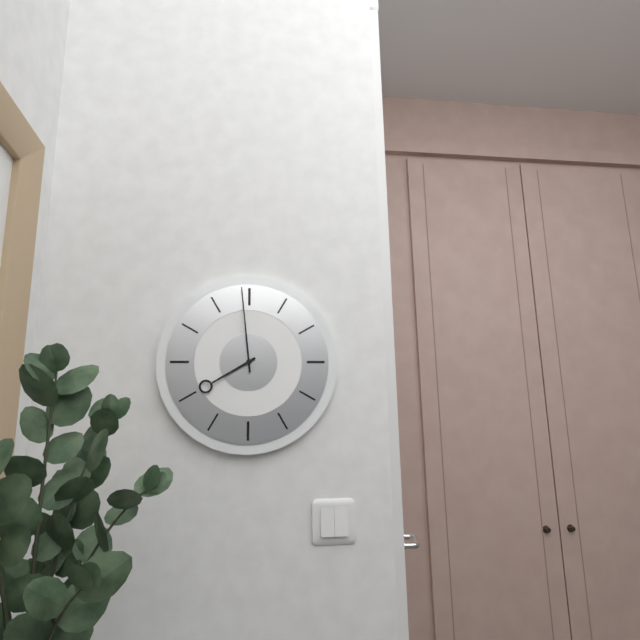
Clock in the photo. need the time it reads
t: 7:59
